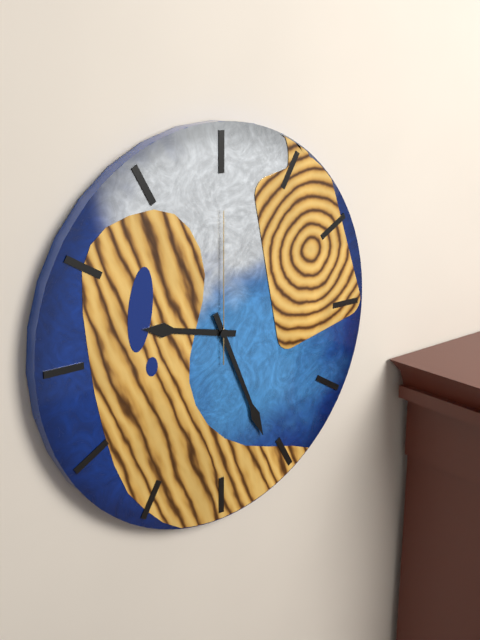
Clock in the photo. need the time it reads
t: 9:26:00
